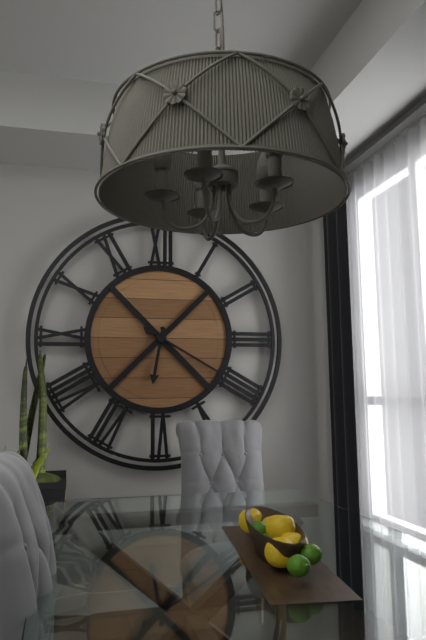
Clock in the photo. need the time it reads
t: 6:20
